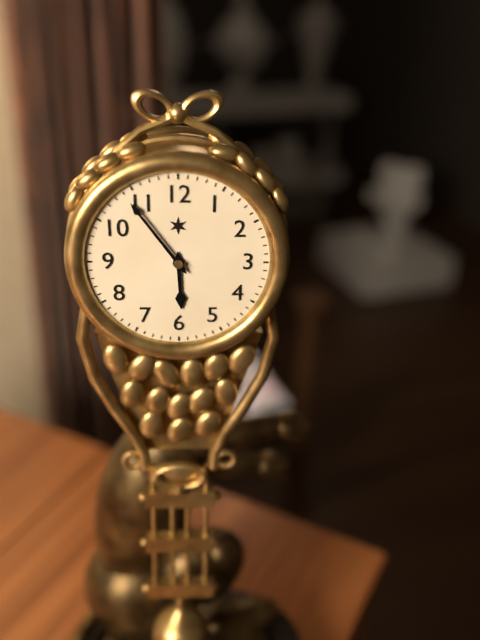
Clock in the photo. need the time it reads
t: 5:54
